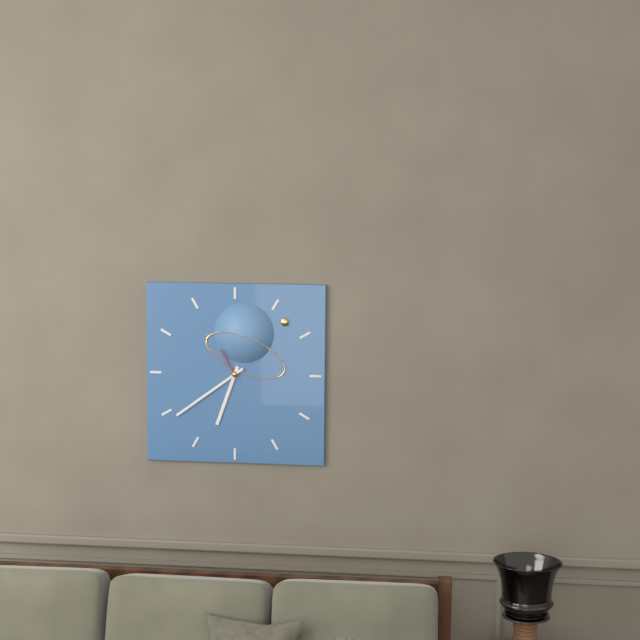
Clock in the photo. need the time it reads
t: 6:39
